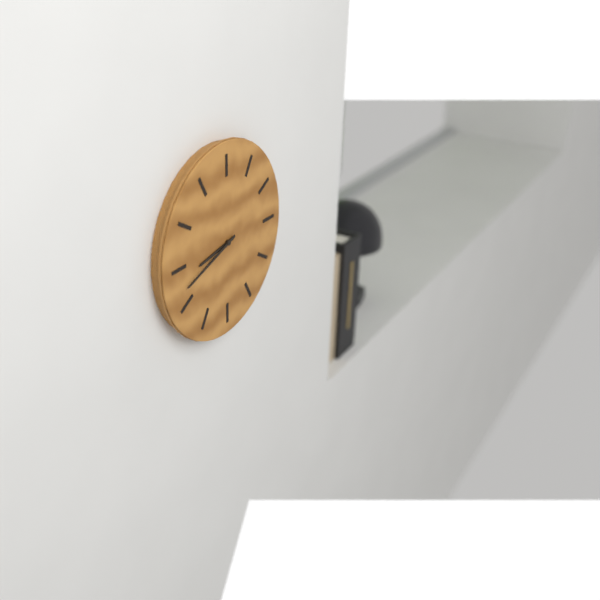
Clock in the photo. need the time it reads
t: 8:42
